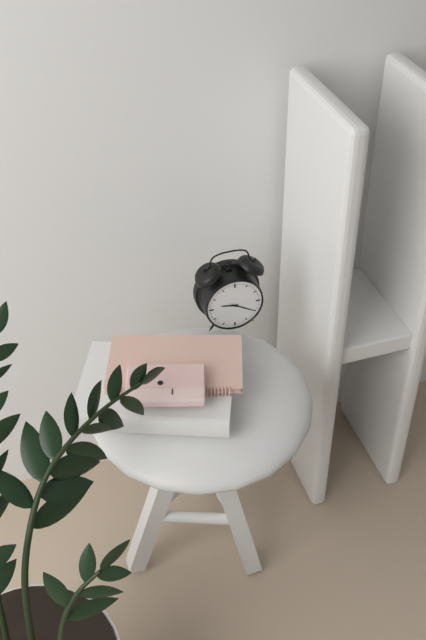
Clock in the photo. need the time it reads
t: 9:20
